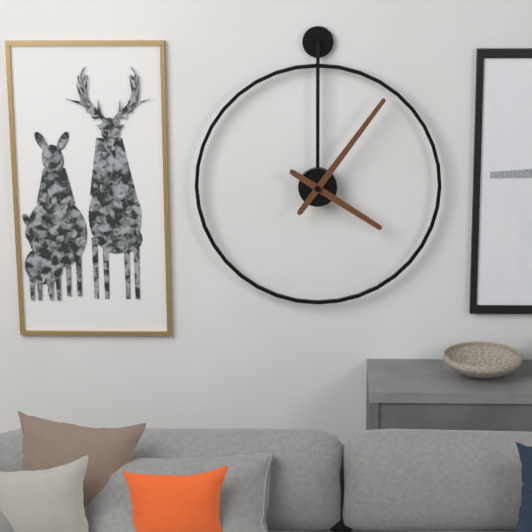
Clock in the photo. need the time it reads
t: 4:06
